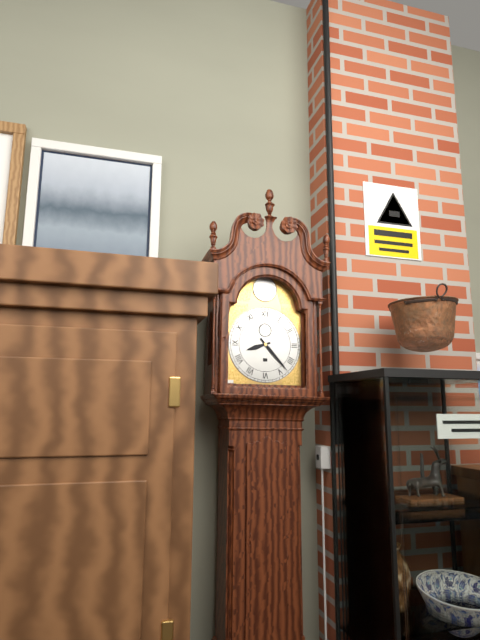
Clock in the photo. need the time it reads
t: 8:23
